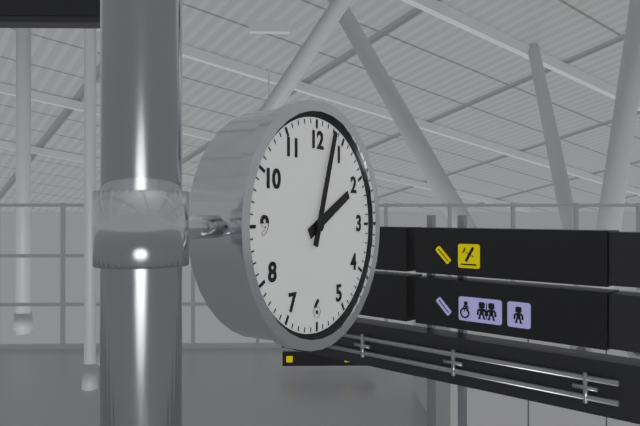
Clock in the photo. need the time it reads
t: 2:03
